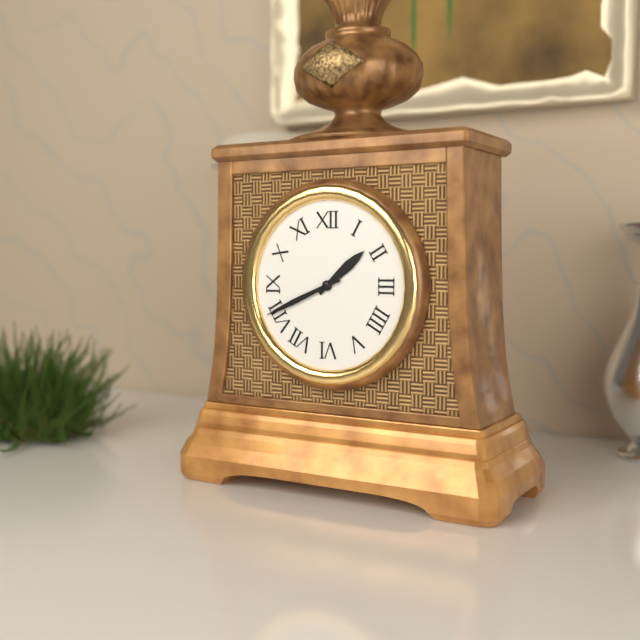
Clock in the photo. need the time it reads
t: 1:41
